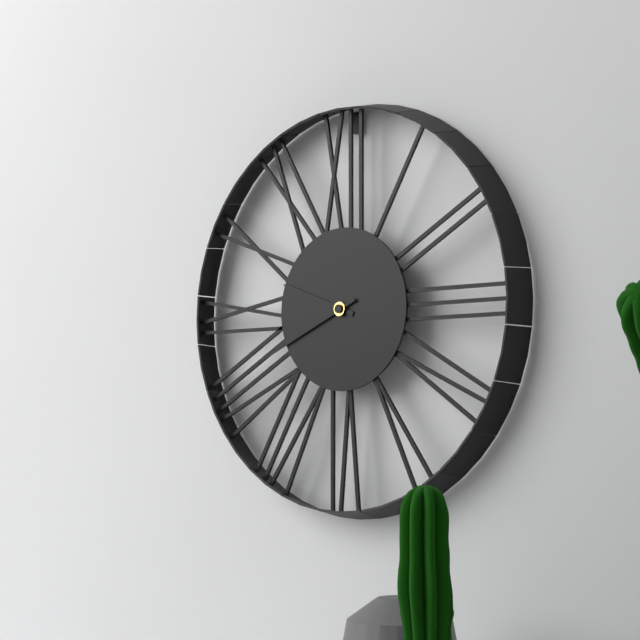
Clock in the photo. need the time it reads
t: 9:41
